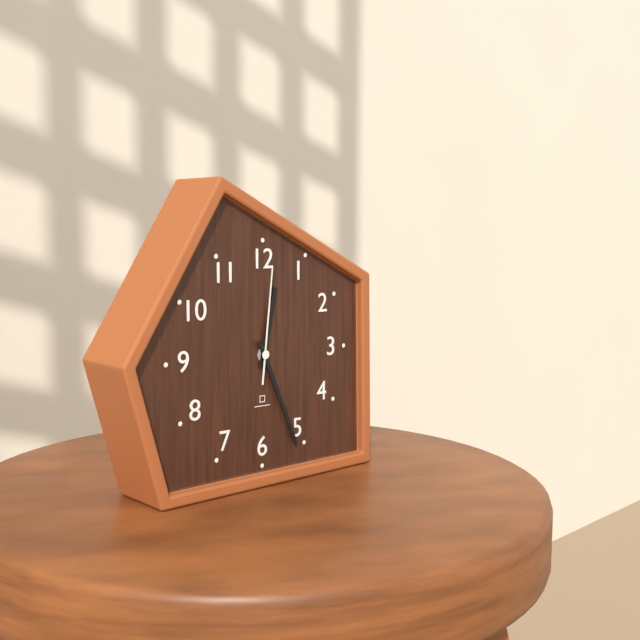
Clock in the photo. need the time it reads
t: 12:26:01
